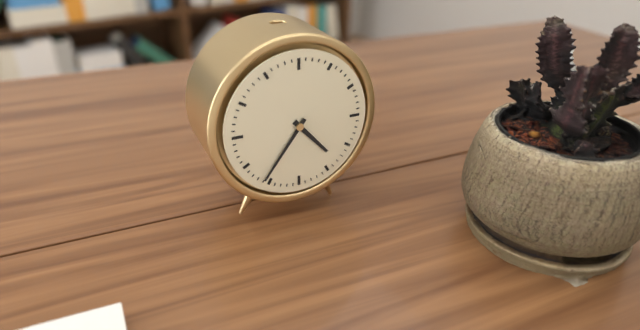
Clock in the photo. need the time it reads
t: 4:36
